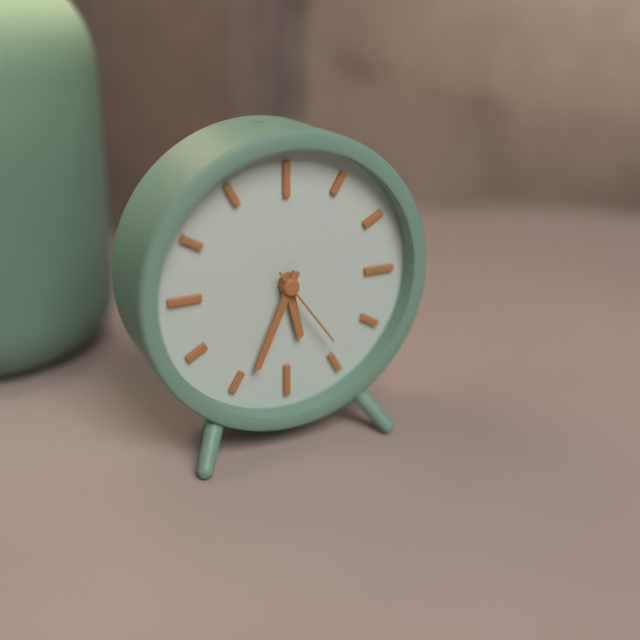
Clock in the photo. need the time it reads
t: 5:34:24
